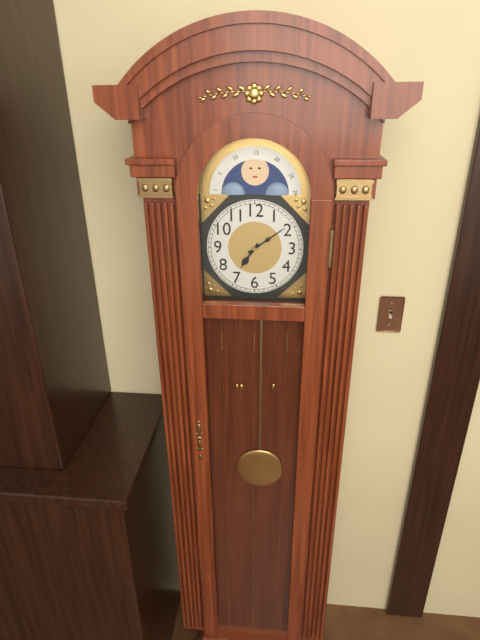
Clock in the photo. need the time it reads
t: 7:09
